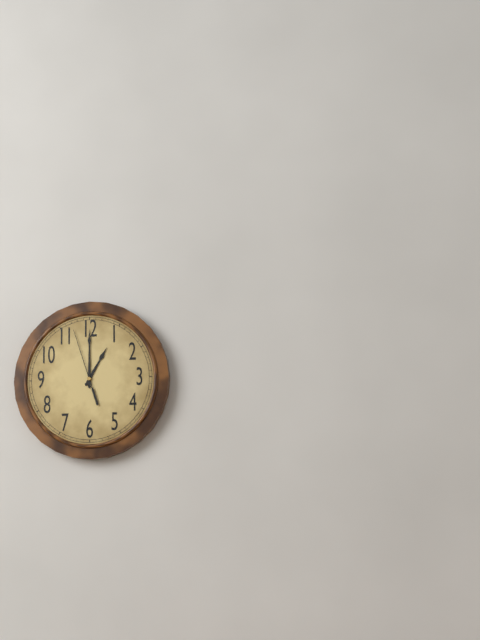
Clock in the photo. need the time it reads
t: 1:00:57
